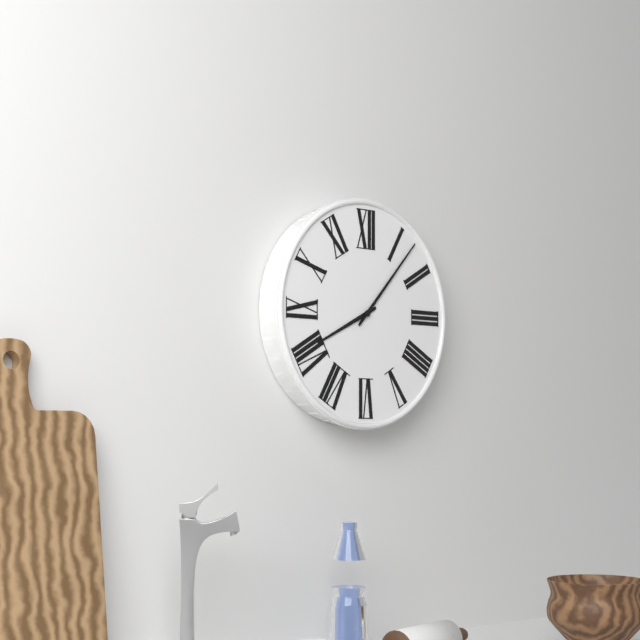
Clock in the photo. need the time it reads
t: 8:07
